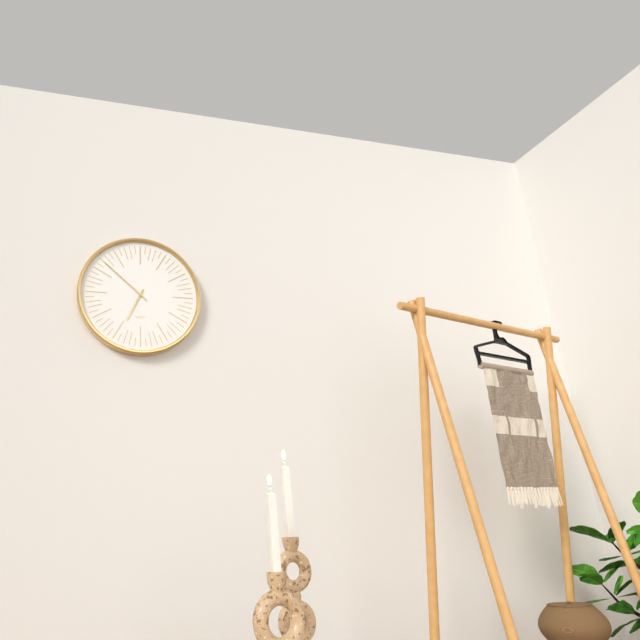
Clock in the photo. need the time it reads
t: 6:52
